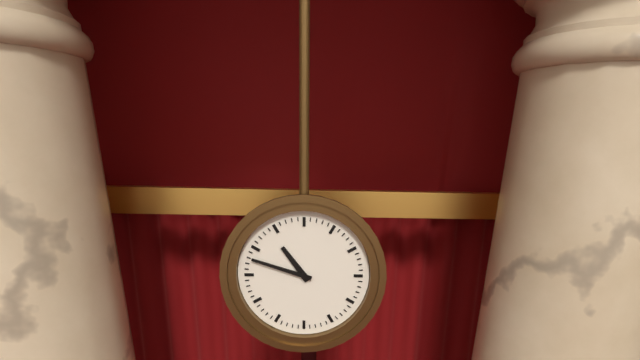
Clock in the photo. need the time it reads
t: 10:48
